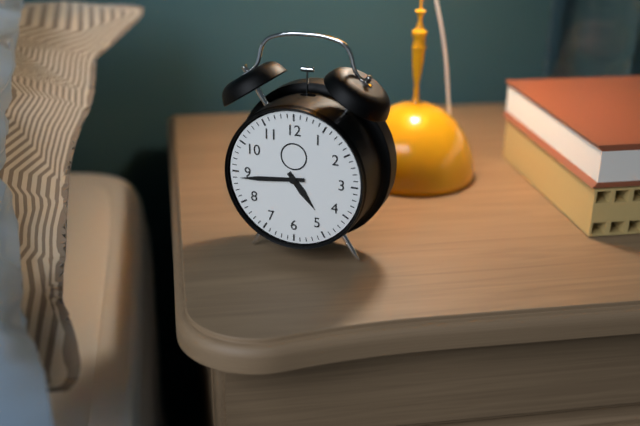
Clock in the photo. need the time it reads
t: 4:44
